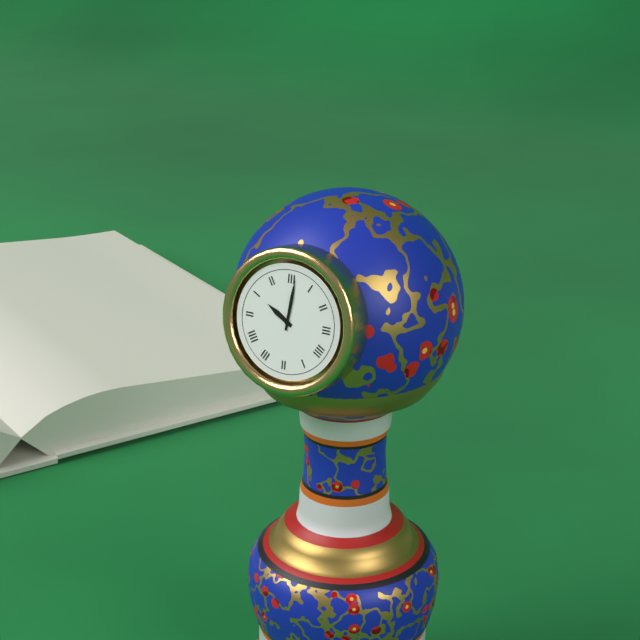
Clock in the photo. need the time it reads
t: 10:01
